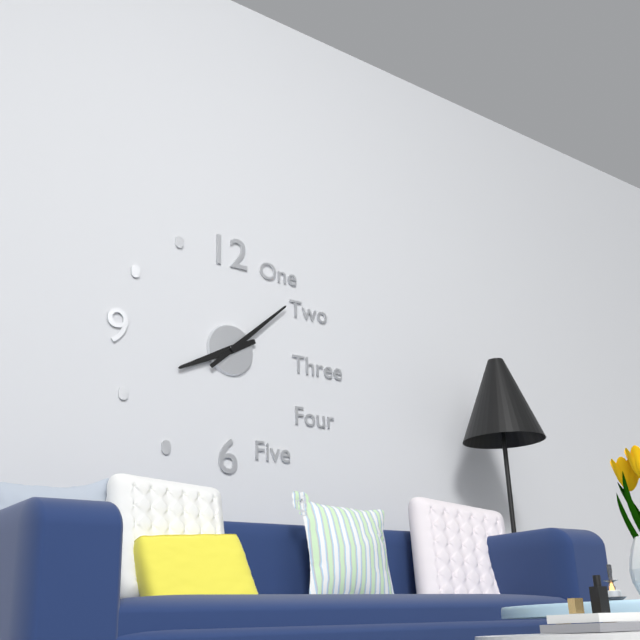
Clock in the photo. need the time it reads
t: 8:08
